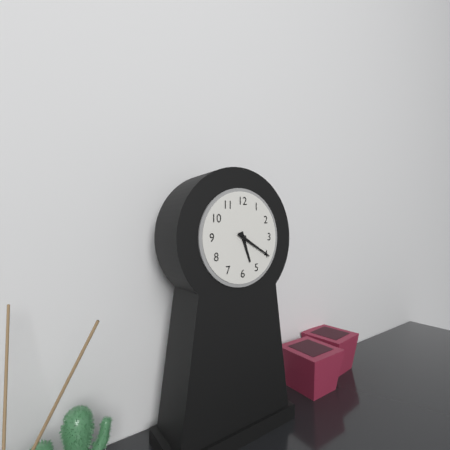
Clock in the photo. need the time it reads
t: 5:20
